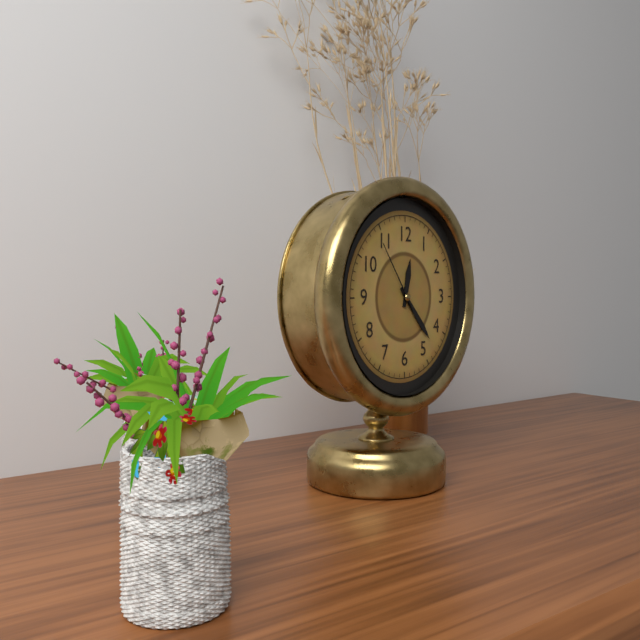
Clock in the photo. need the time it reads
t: 12:23:54
